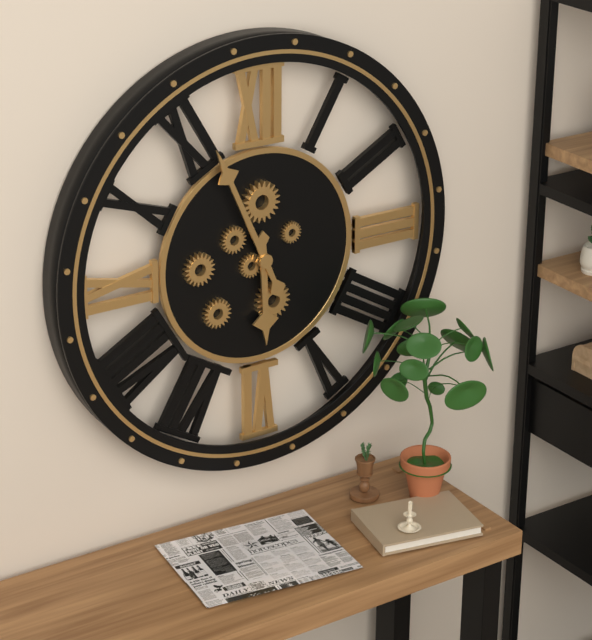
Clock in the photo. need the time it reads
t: 5:56
